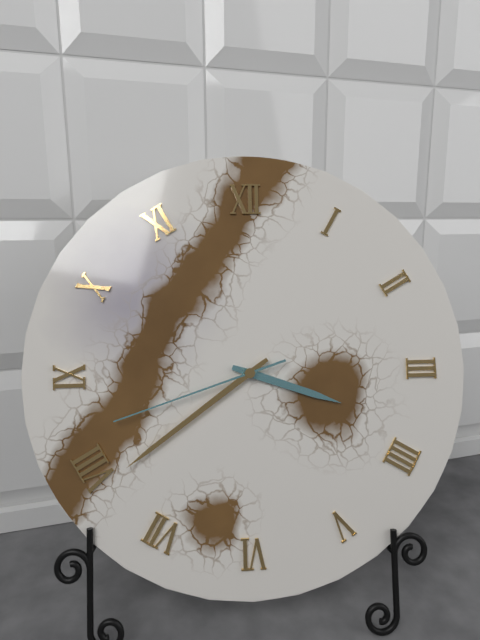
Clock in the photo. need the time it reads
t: 3:39:42
